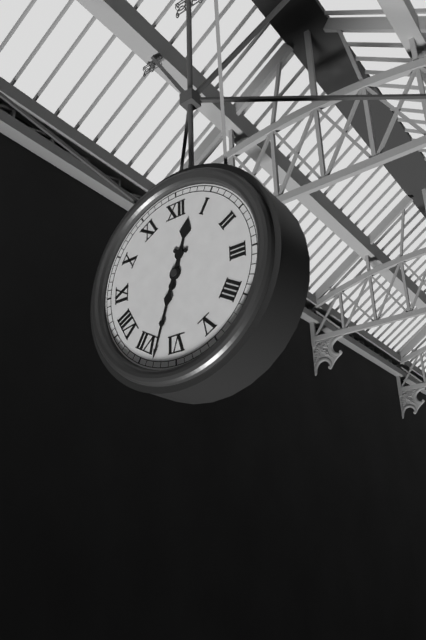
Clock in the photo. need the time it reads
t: 12:33
